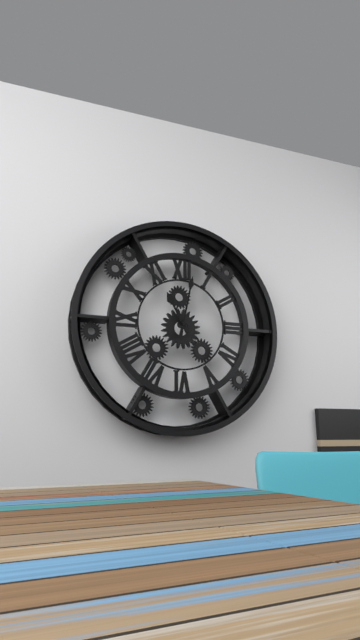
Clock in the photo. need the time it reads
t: 11:02
